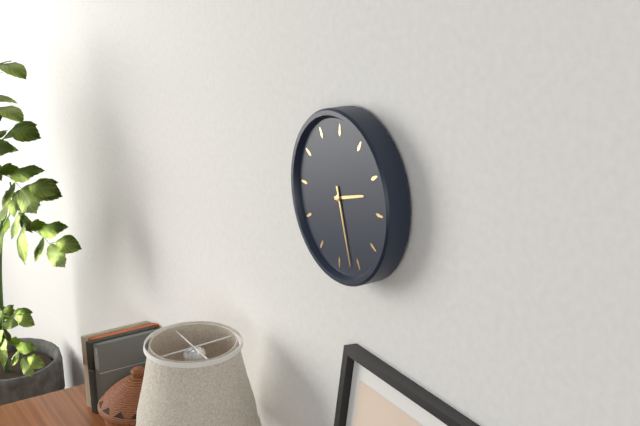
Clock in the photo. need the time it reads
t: 2:27
